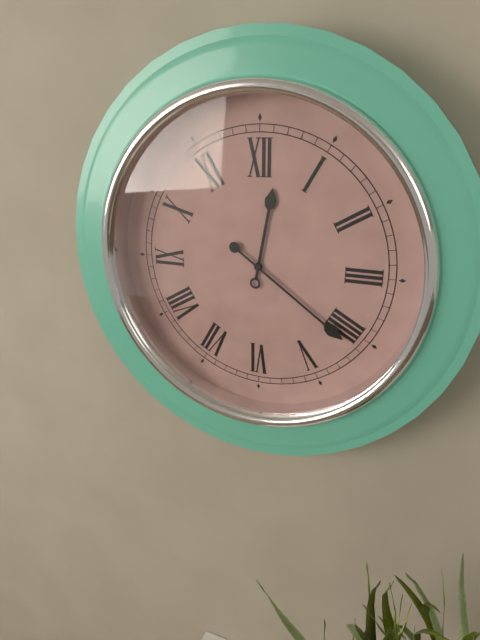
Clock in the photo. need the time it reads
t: 12:21
